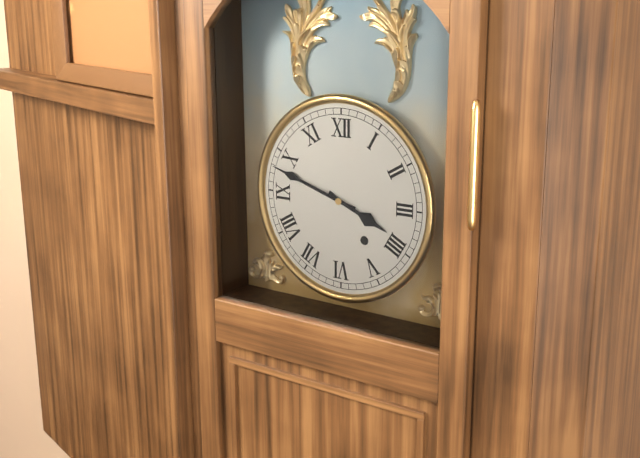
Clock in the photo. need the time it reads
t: 3:48
